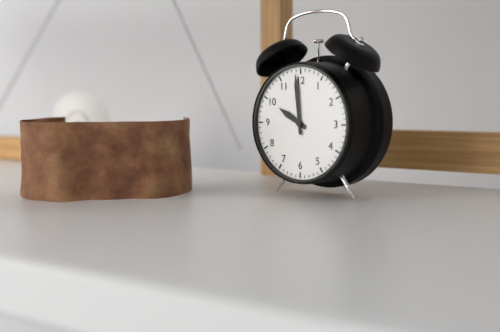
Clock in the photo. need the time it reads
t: 9:59
